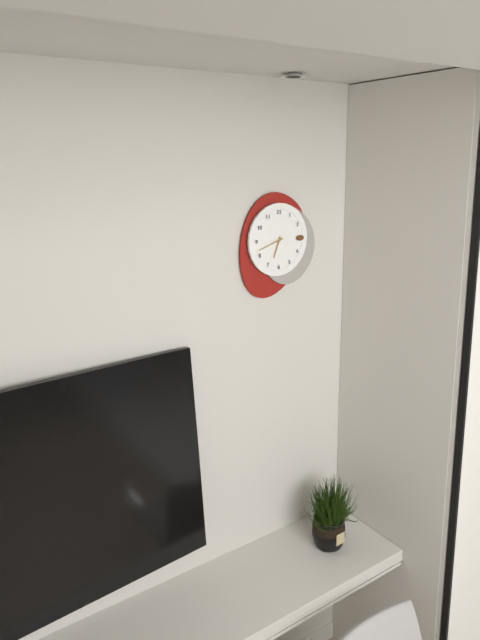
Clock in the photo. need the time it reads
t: 6:42
